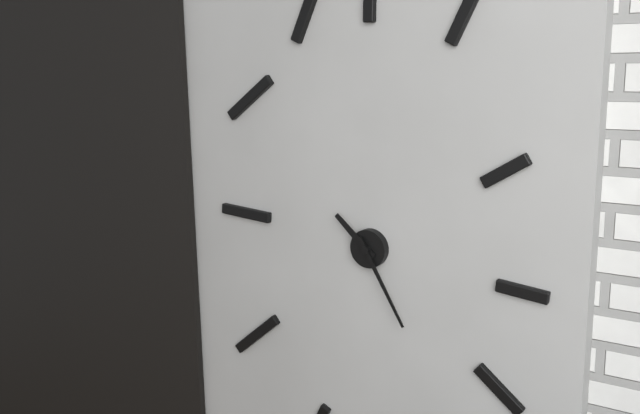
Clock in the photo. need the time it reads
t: 10:25
